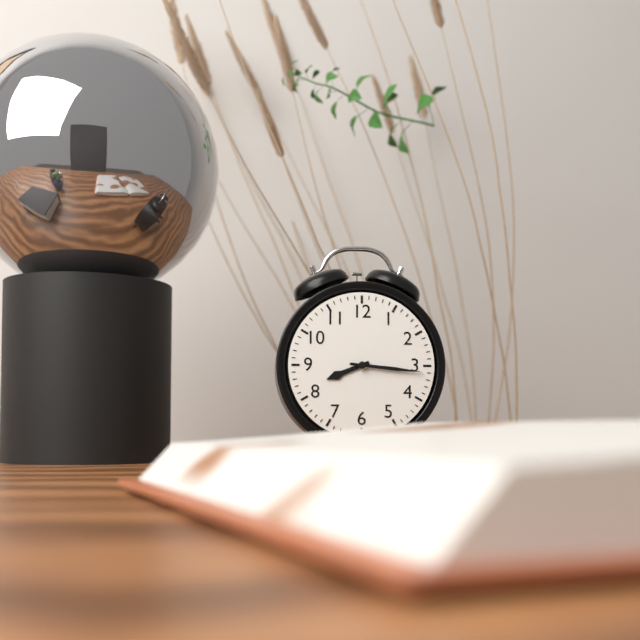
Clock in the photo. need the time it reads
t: 8:16
